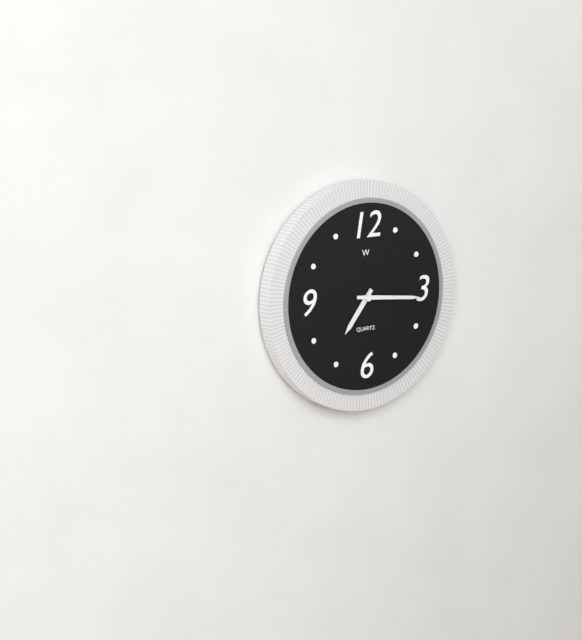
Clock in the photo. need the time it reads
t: 7:16
